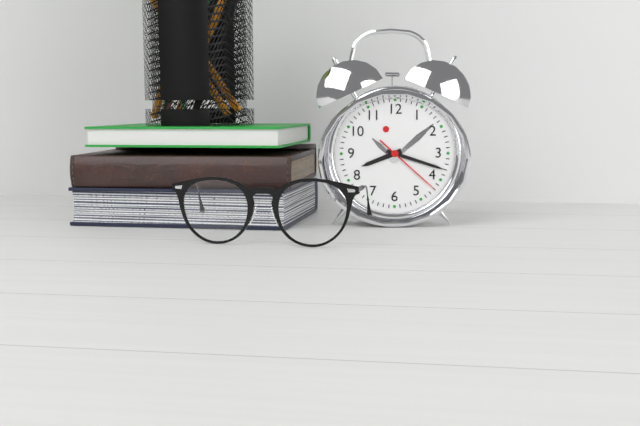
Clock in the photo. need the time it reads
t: 8:18:22
